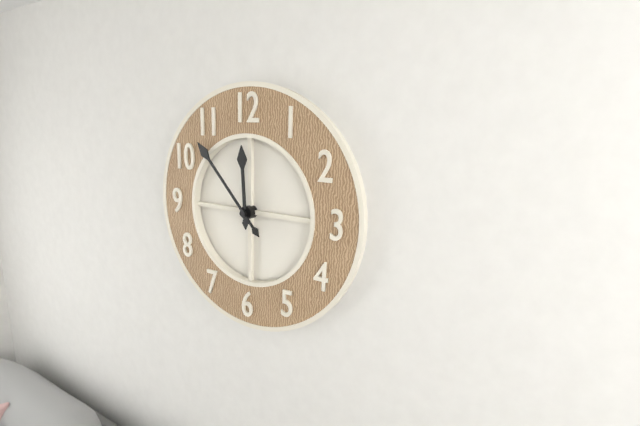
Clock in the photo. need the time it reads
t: 11:53
